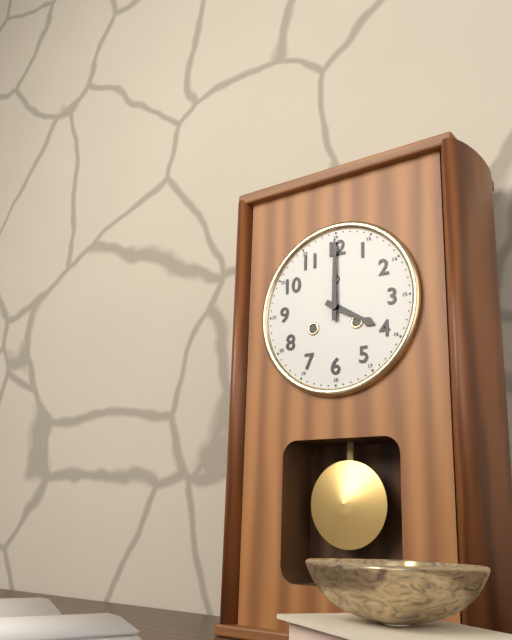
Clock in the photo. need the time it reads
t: 4:00
